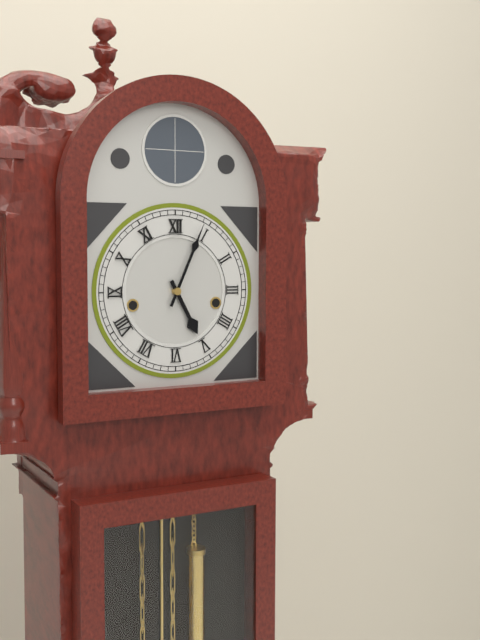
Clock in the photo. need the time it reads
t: 5:04
